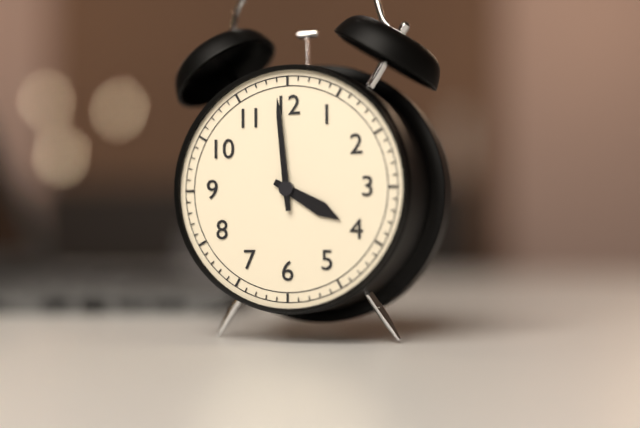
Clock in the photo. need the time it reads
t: 3:59
